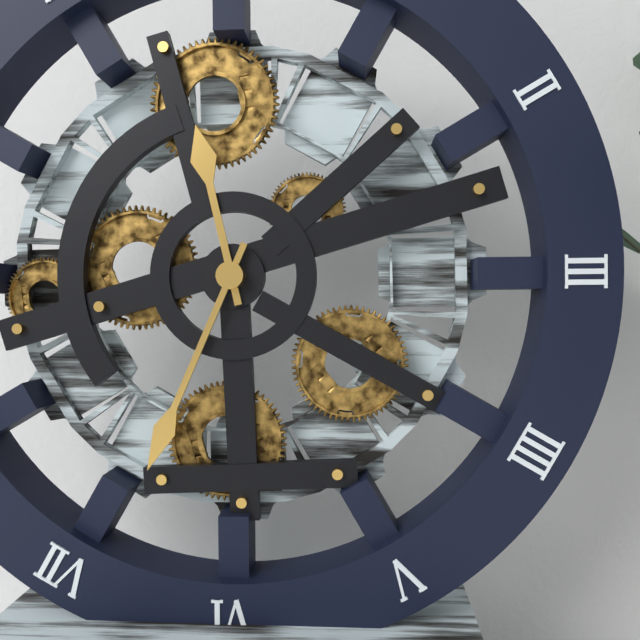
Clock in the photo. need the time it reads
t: 11:34
